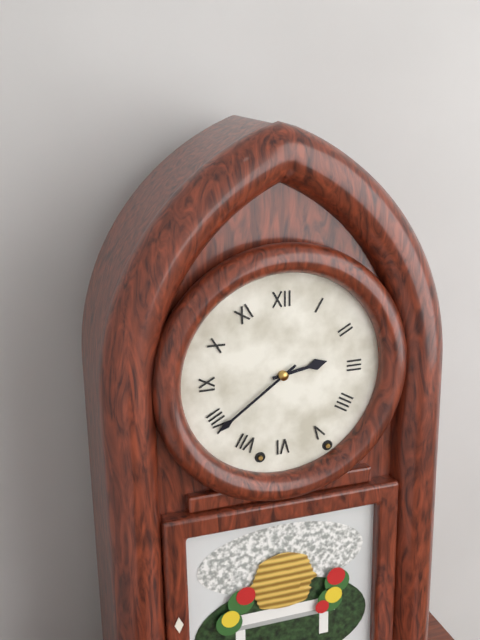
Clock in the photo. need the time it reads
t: 2:39
